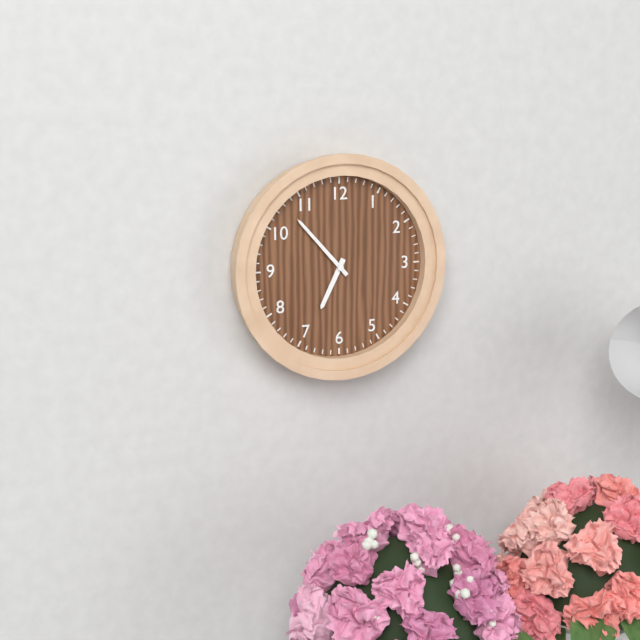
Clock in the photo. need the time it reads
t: 6:53
